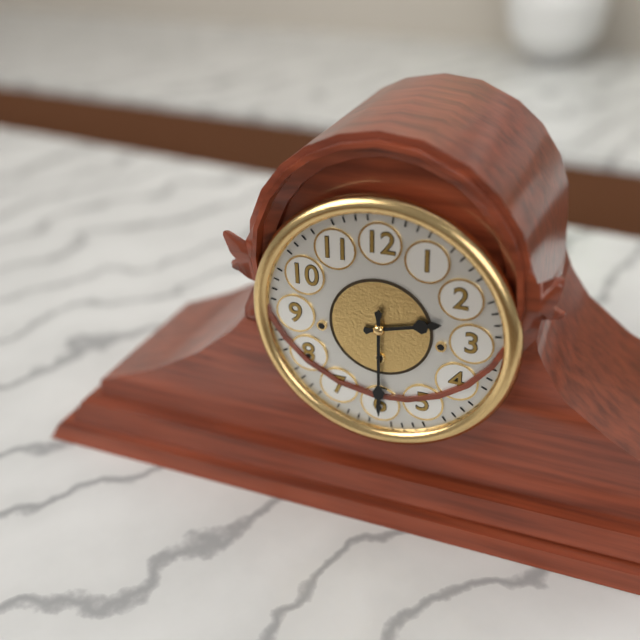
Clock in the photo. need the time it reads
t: 2:30
